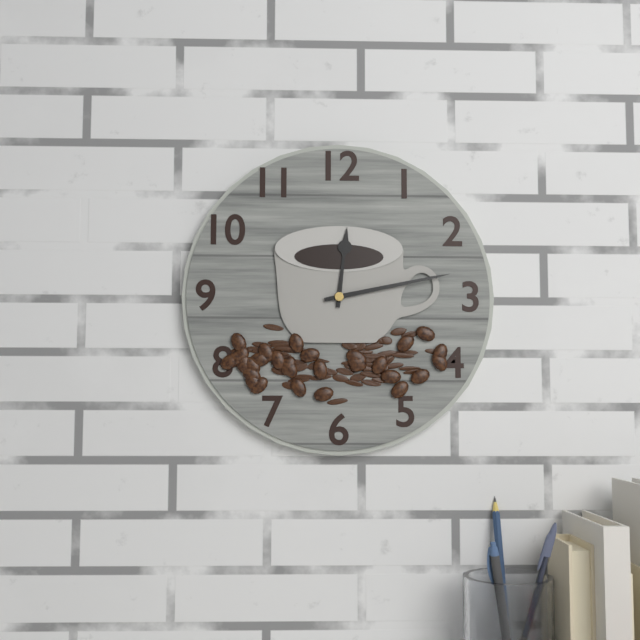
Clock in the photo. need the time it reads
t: 12:13
